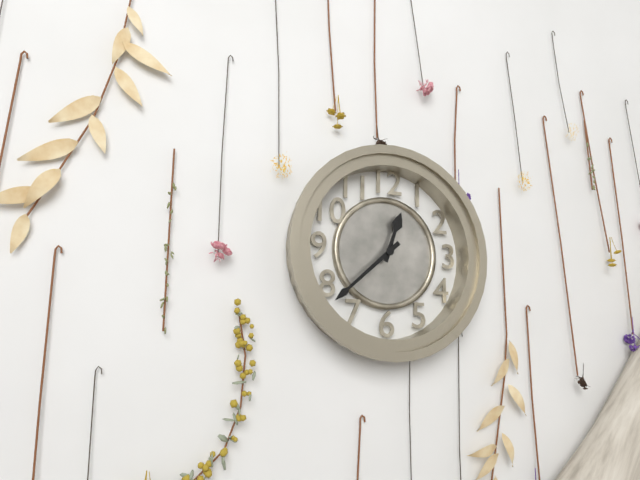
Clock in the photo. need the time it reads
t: 12:38
